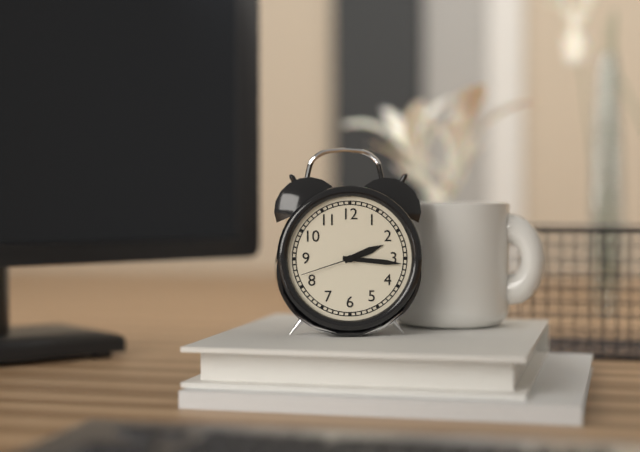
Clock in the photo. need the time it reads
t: 2:16:42
